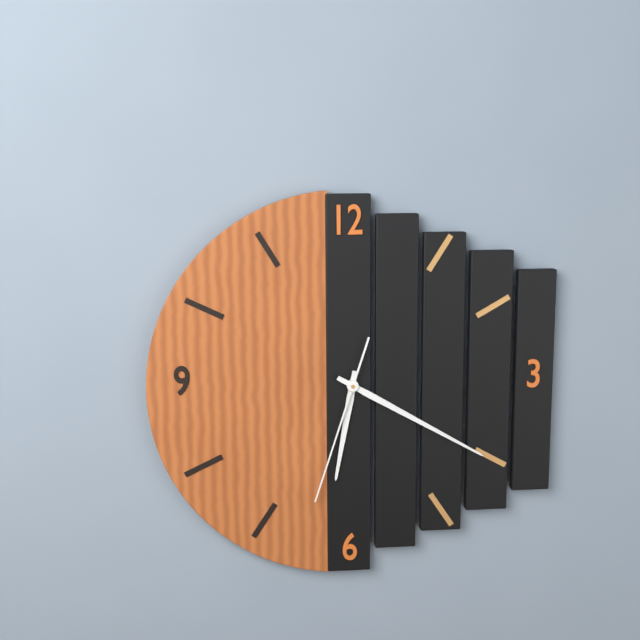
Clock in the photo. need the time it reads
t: 6:20:33
